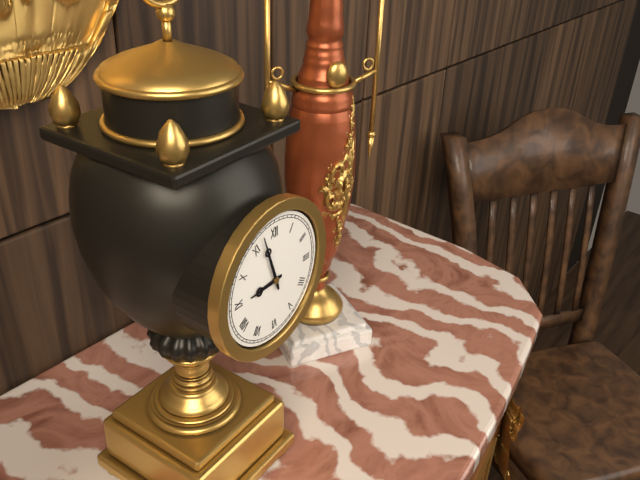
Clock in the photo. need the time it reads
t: 8:57
